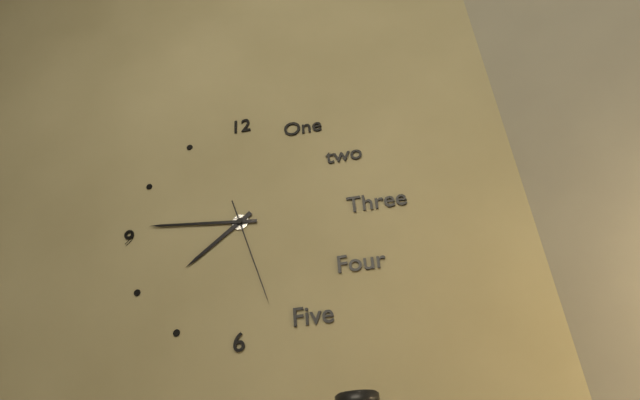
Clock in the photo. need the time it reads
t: 7:46:27
